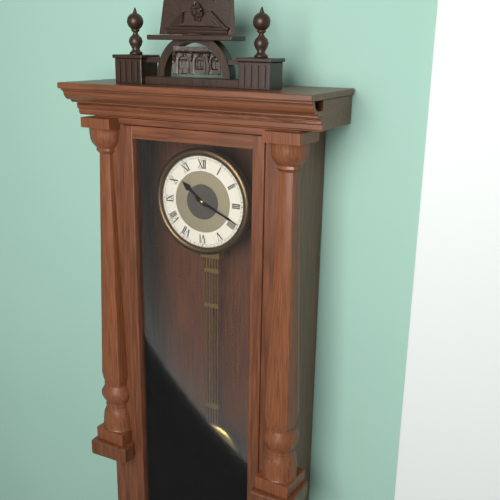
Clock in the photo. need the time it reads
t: 10:19
